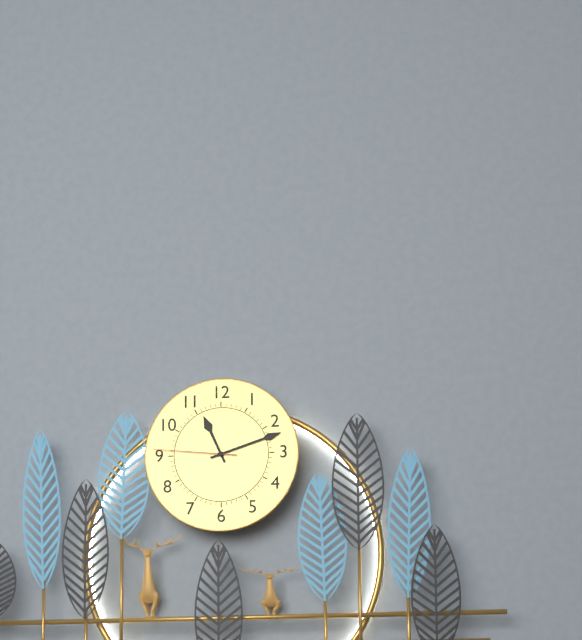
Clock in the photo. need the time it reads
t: 11:12:46
